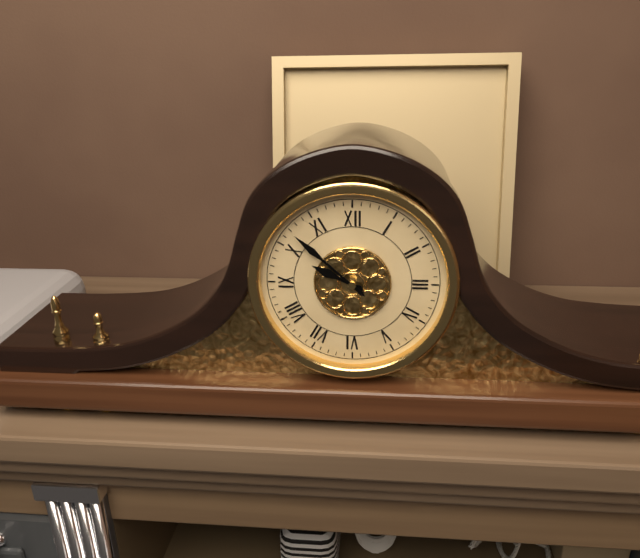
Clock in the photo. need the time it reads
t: 9:52
